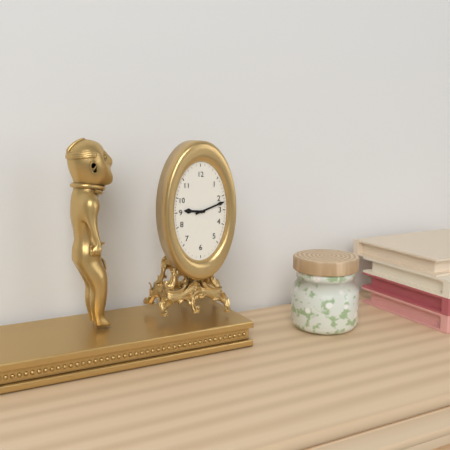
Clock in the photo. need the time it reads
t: 9:12
